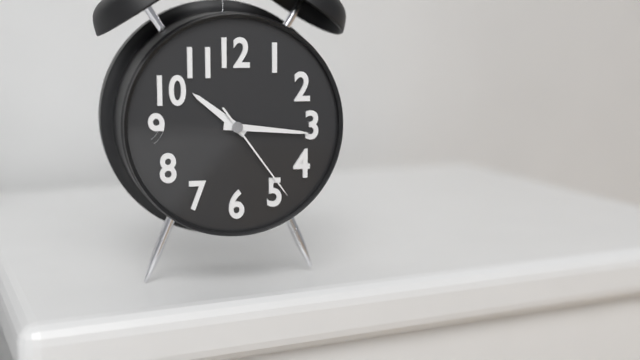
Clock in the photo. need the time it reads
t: 10:16:24
